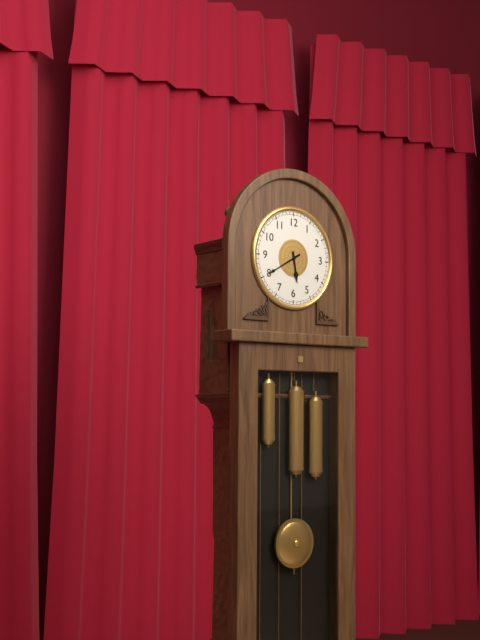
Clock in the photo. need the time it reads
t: 5:40
